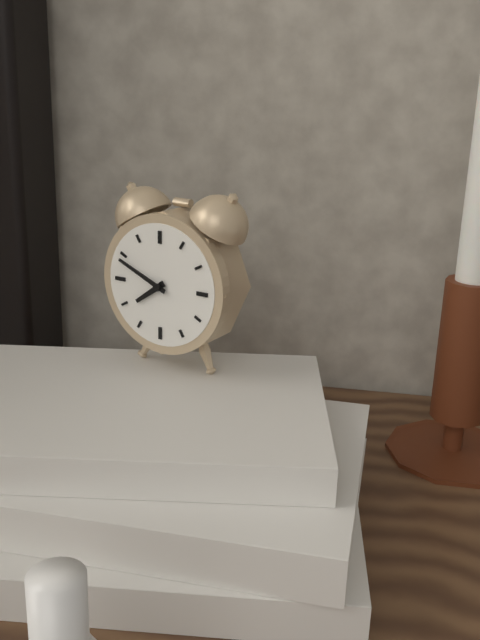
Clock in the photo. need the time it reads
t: 7:49
